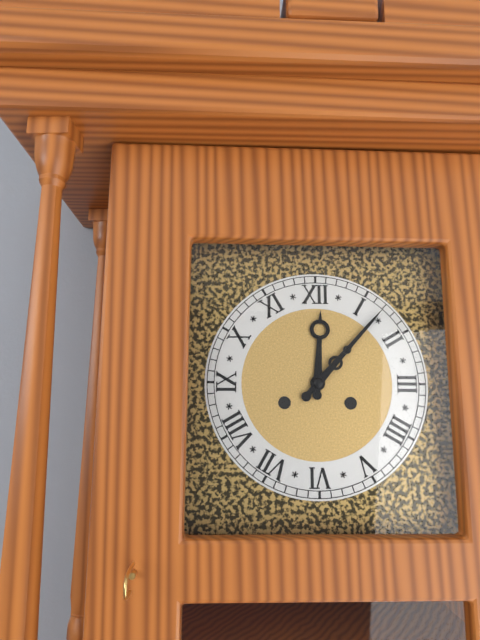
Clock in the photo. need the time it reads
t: 12:07
